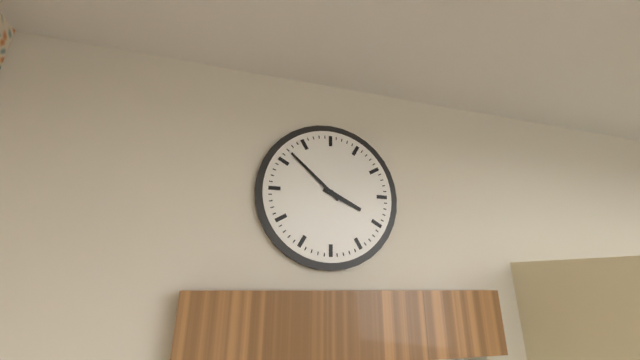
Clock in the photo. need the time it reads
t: 3:52
